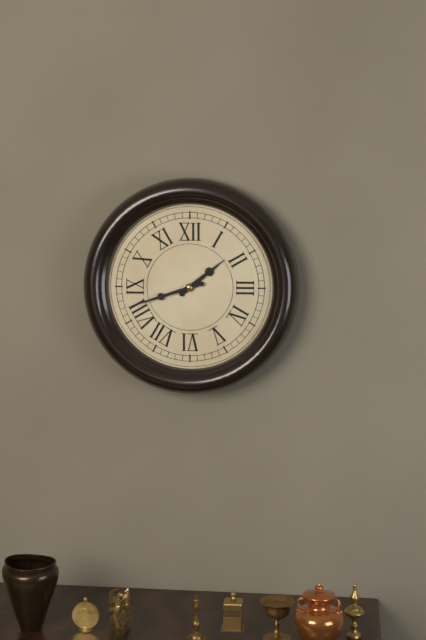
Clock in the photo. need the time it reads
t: 1:42
